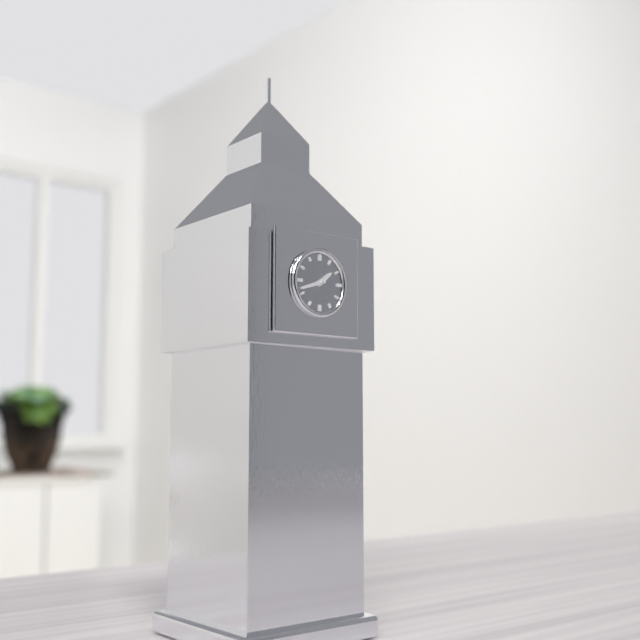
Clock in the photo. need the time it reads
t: 1:42
